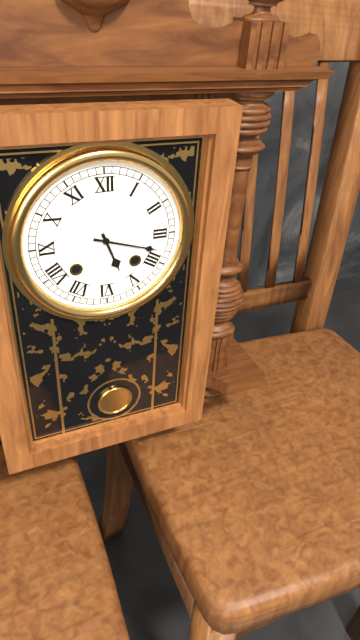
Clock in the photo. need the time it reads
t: 5:18
